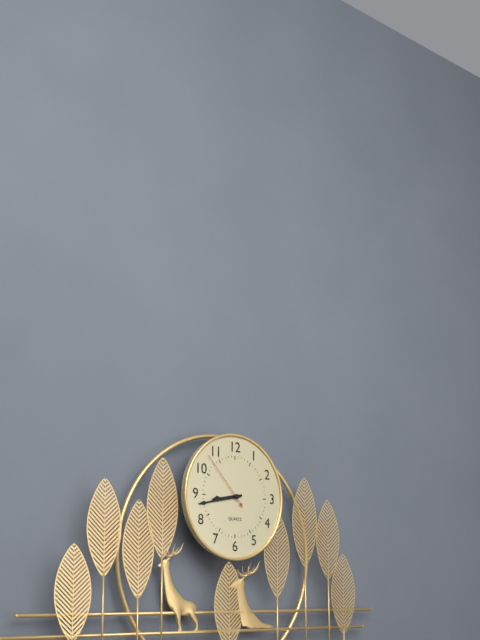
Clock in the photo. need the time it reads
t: 8:43:53
